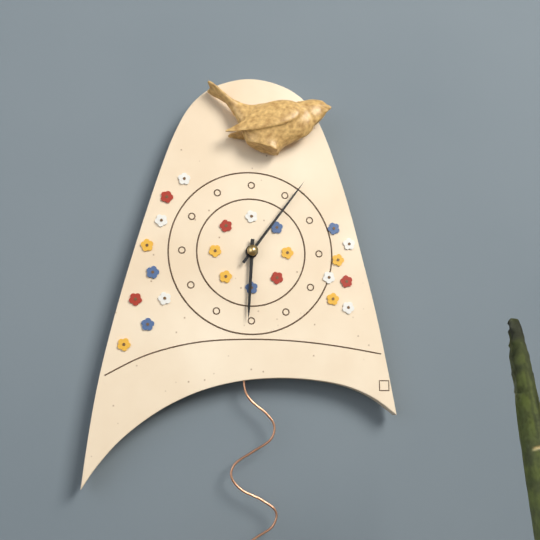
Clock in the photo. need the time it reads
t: 6:06
